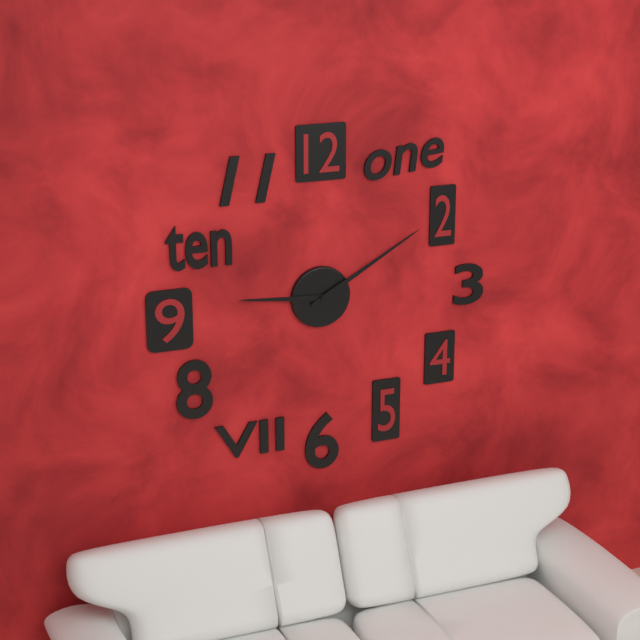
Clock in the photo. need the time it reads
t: 9:10
